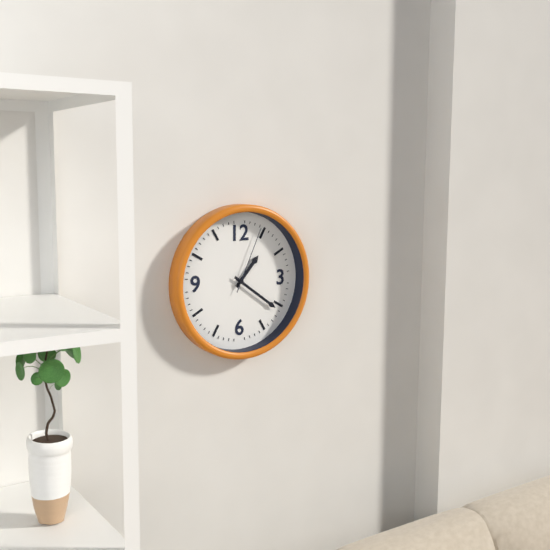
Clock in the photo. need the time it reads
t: 1:21:04
